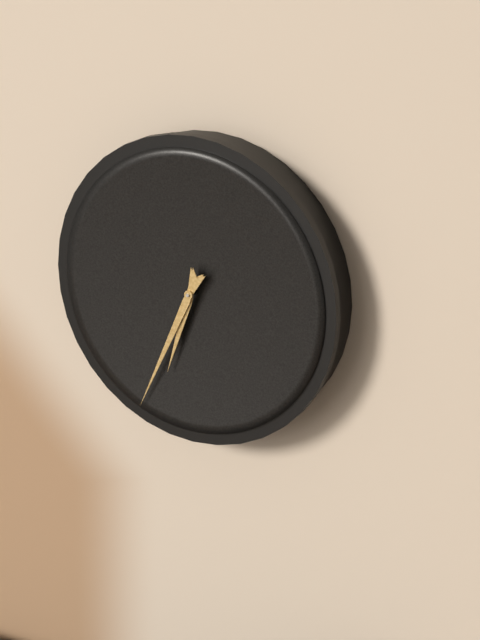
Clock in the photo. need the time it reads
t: 6:34
